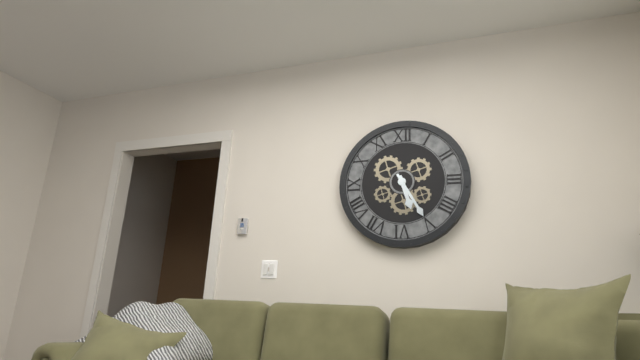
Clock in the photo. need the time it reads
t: 5:25
